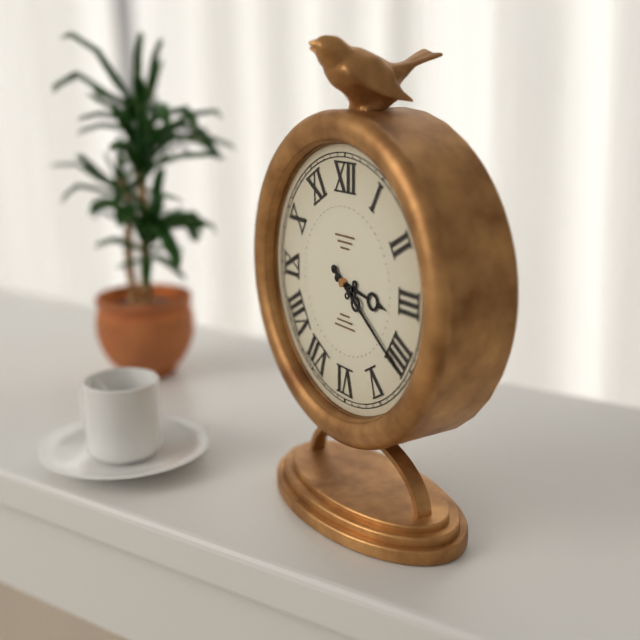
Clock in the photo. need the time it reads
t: 3:21
